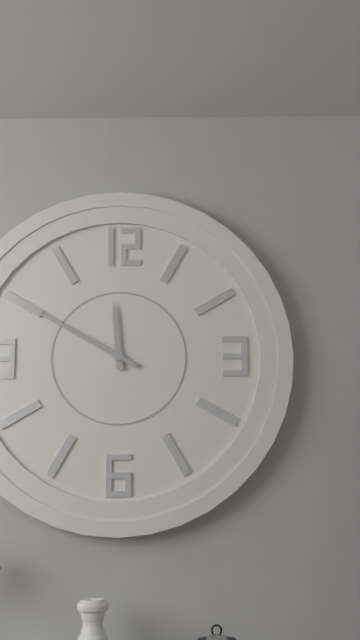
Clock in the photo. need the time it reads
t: 11:50
